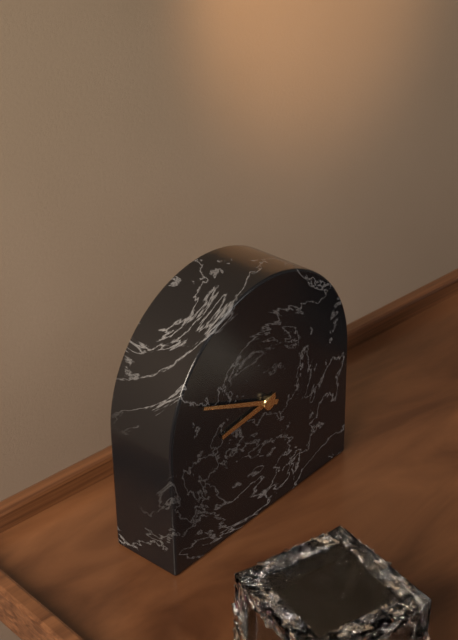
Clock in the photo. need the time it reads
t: 8:49
